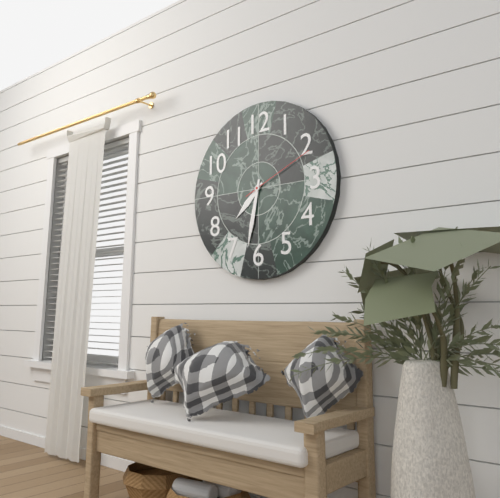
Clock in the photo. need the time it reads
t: 7:32:11
